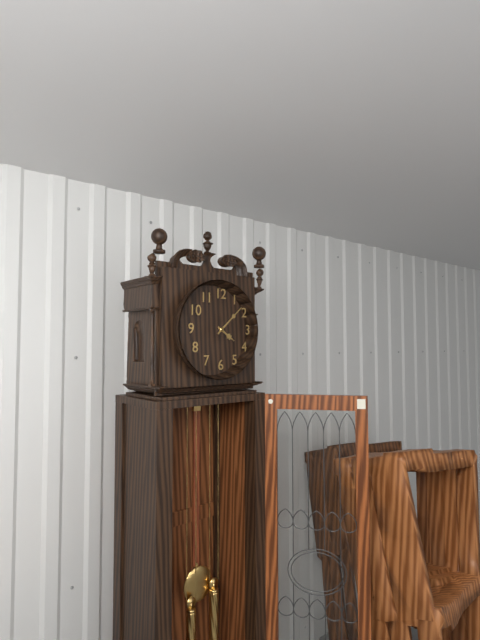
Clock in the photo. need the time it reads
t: 4:08
